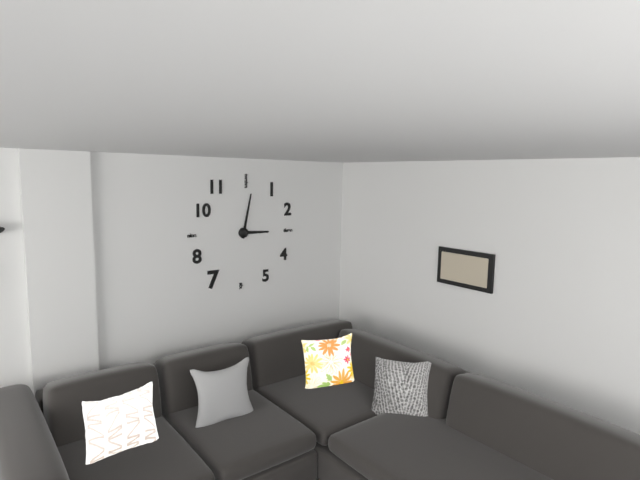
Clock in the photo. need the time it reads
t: 3:02
